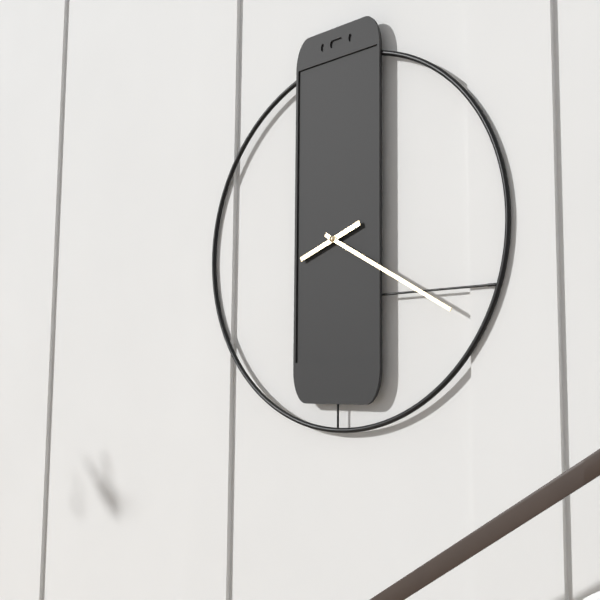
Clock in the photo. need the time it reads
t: 8:20
